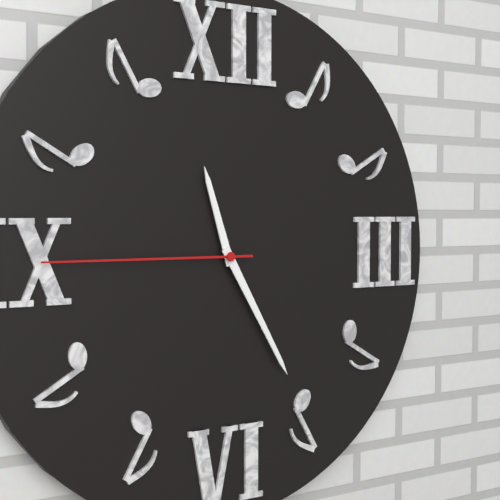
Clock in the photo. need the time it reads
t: 11:25:45
